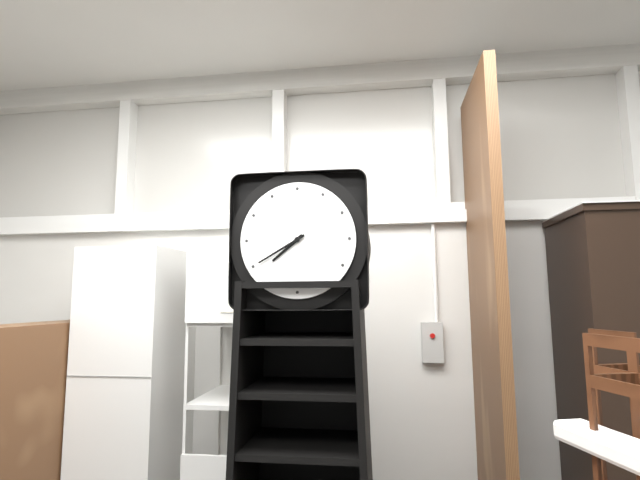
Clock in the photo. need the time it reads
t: 7:40
